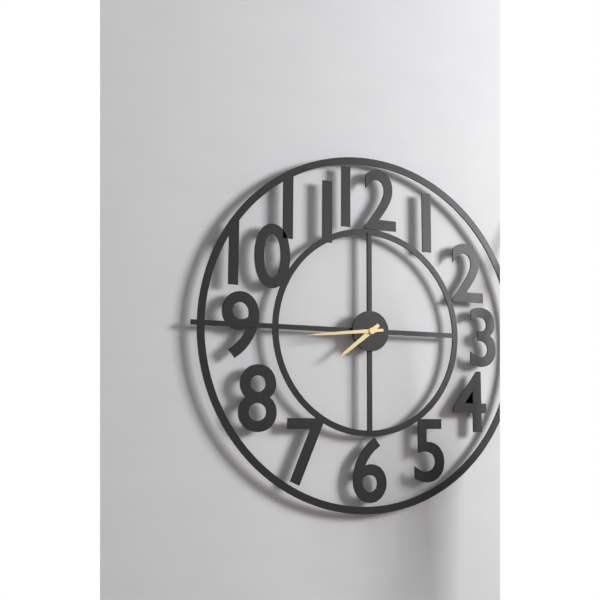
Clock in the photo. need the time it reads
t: 7:44
